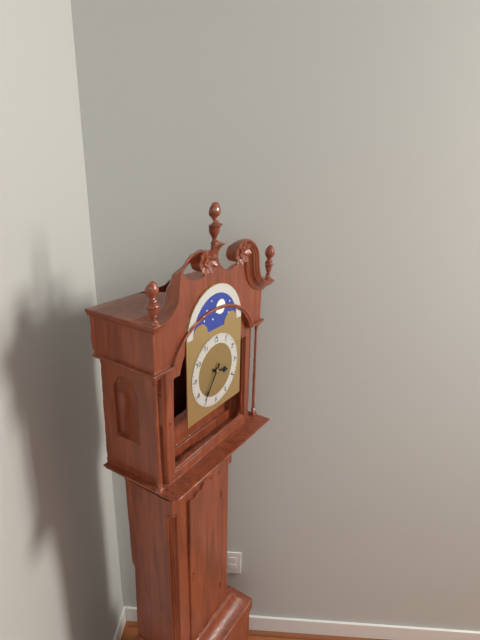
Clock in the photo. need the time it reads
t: 3:36
